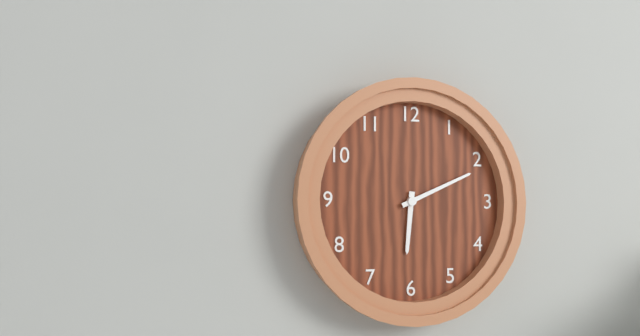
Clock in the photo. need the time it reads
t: 6:11
